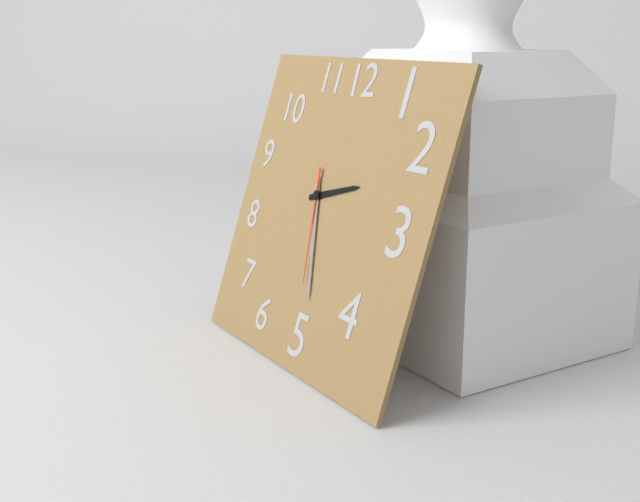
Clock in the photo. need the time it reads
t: 2:27:28
